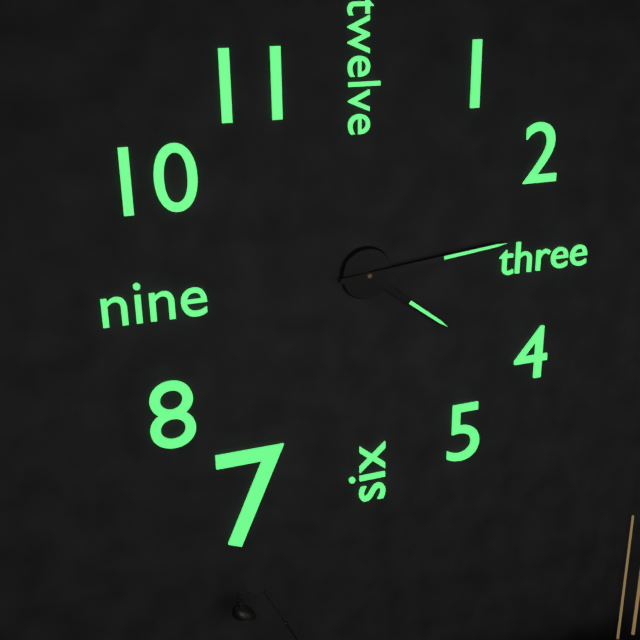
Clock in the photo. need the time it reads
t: 4:14
